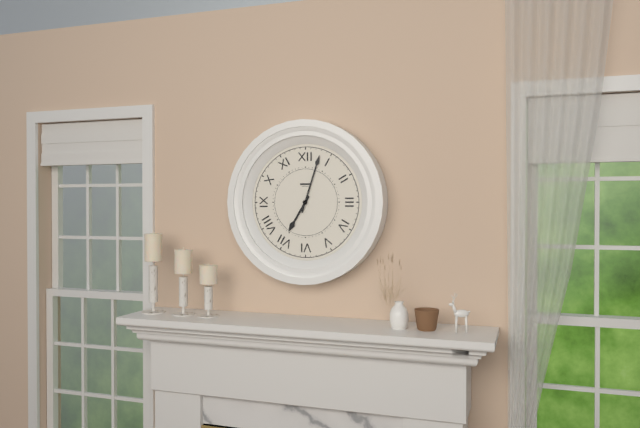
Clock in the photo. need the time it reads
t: 7:03
